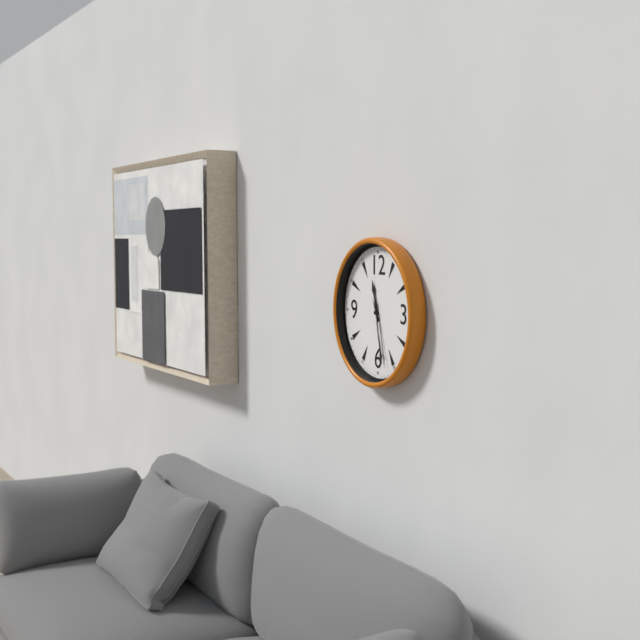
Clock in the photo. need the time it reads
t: 11:28:27
